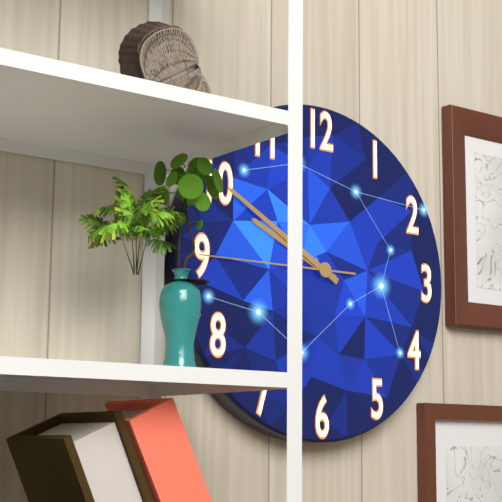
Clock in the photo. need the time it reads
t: 9:50:45
